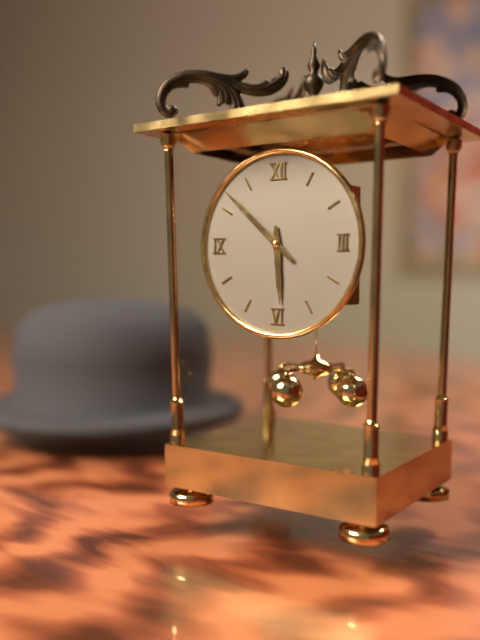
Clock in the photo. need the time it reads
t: 5:52
